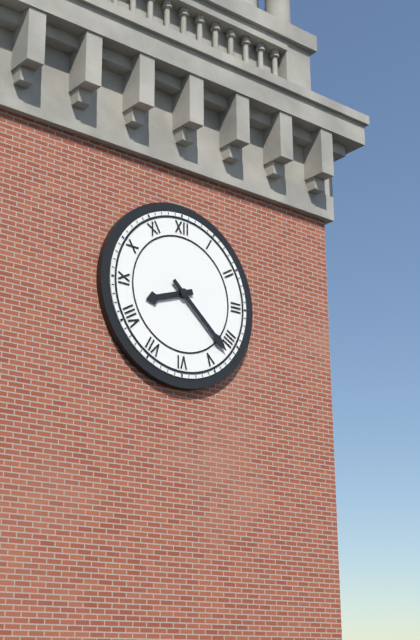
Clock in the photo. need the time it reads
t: 8:22
